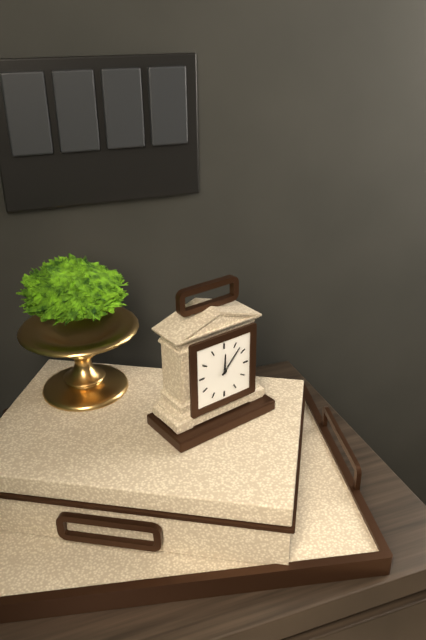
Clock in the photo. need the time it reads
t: 12:07
